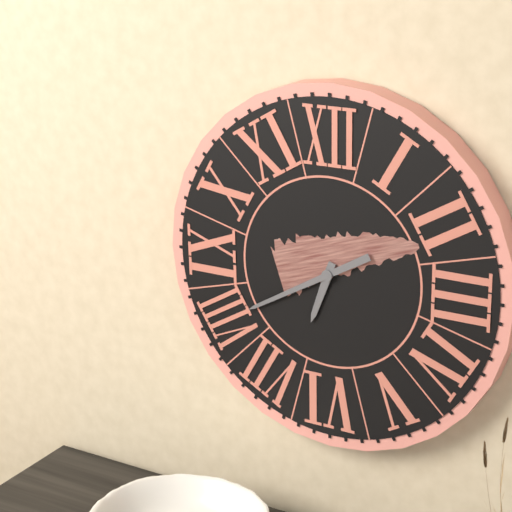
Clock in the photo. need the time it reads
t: 6:40
